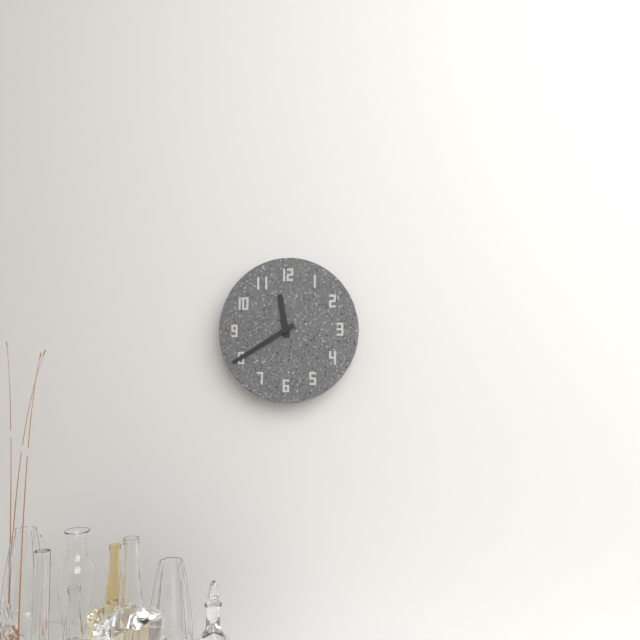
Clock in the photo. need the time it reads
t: 11:40
